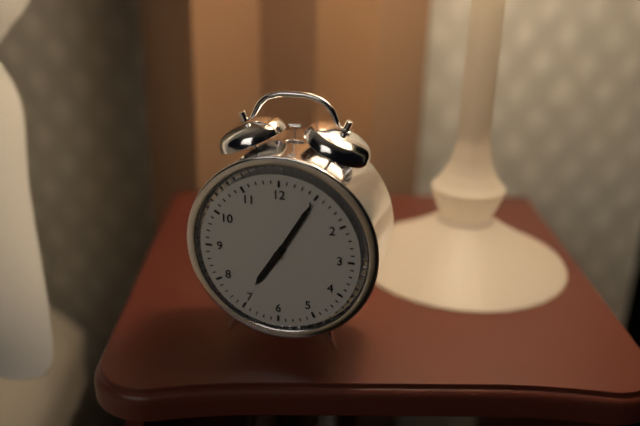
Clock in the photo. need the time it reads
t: 7:05
